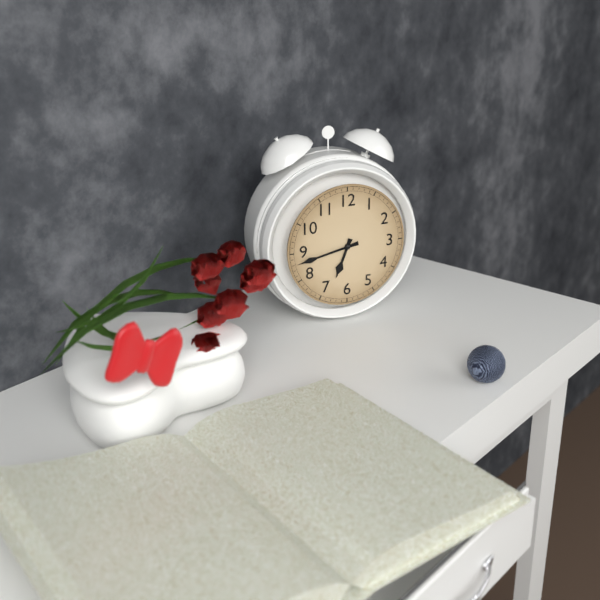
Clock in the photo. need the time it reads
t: 6:43
